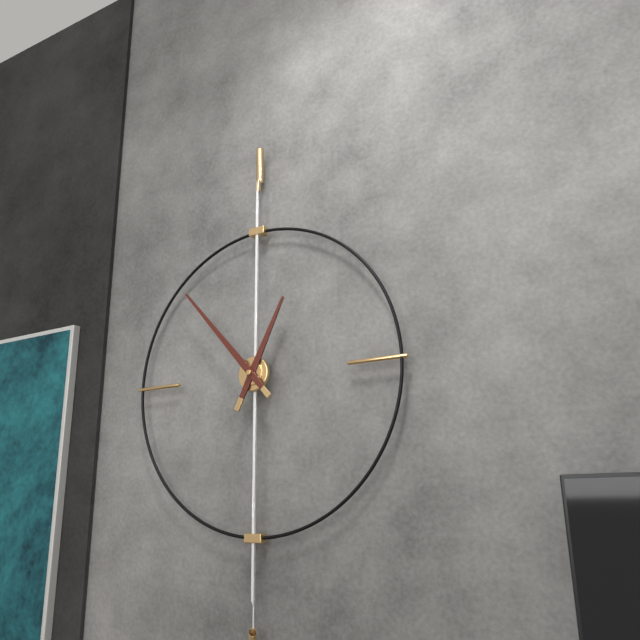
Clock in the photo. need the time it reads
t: 12:53
